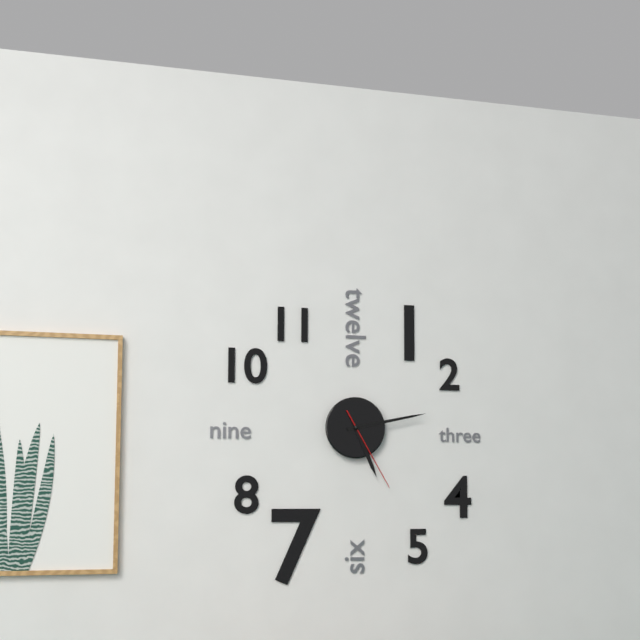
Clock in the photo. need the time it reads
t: 5:13:25
